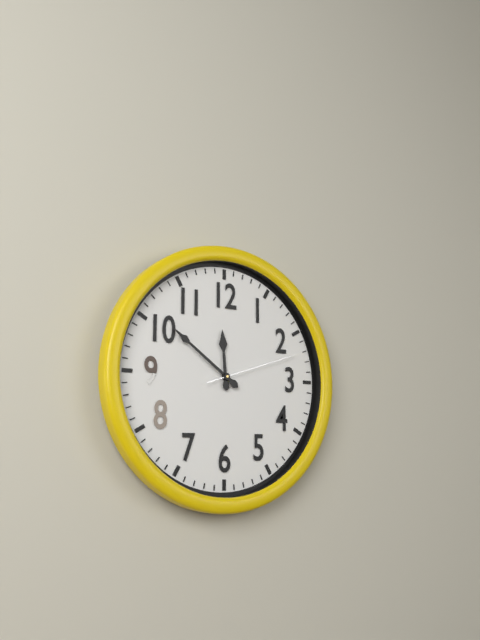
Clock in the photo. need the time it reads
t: 11:51:12
